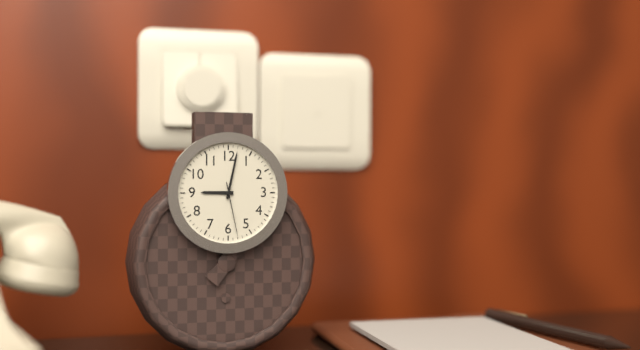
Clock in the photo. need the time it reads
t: 9:02:28
